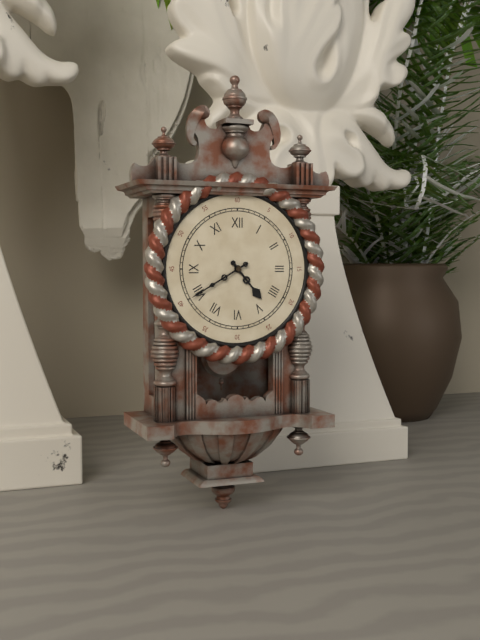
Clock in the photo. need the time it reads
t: 4:40
